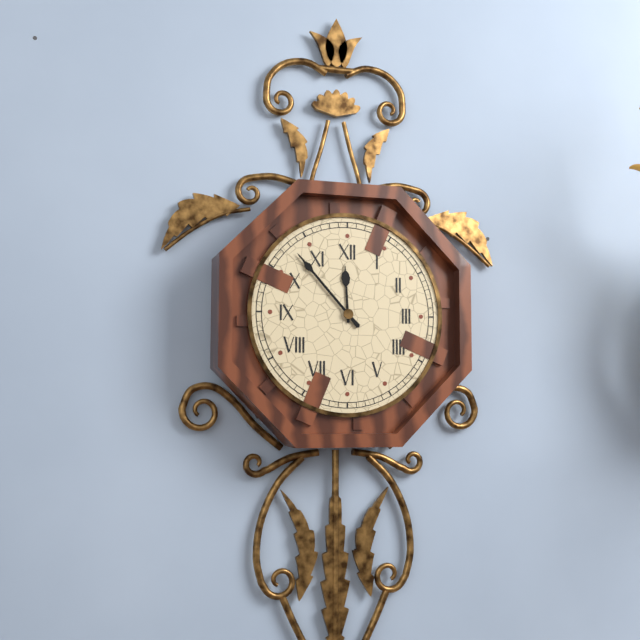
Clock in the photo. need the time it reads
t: 11:53
